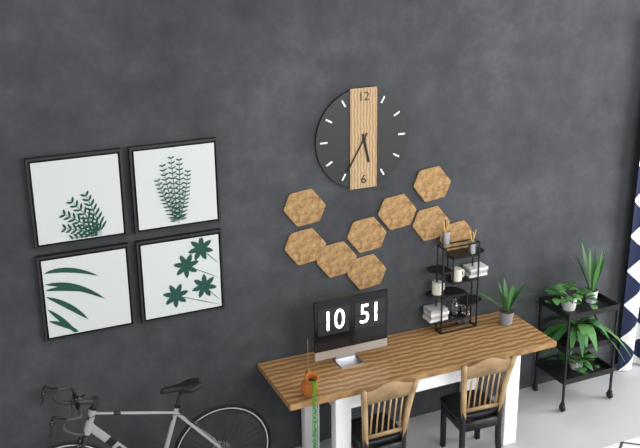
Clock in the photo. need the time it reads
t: 5:35
